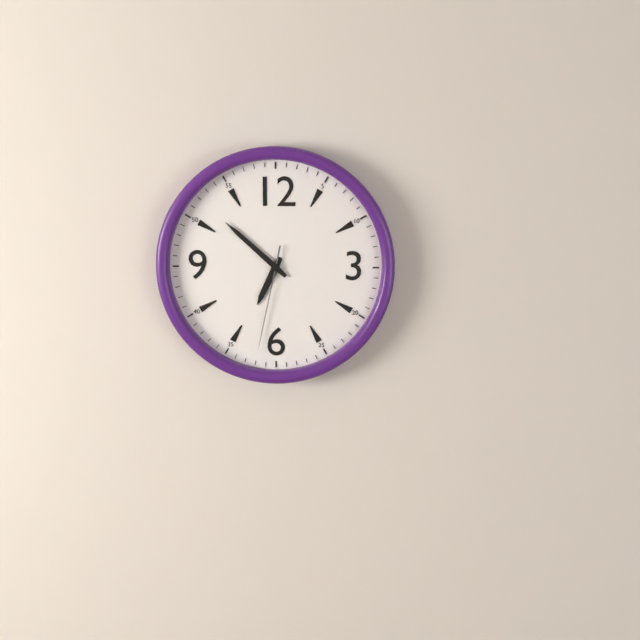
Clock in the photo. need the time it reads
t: 6:52:32
